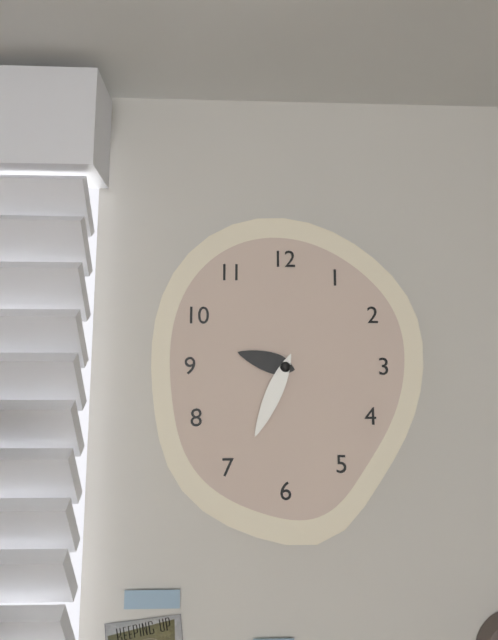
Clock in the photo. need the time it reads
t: 9:34
